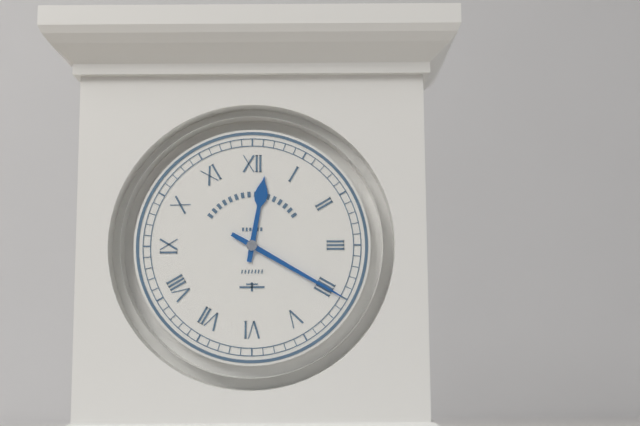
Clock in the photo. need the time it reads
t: 12:20
